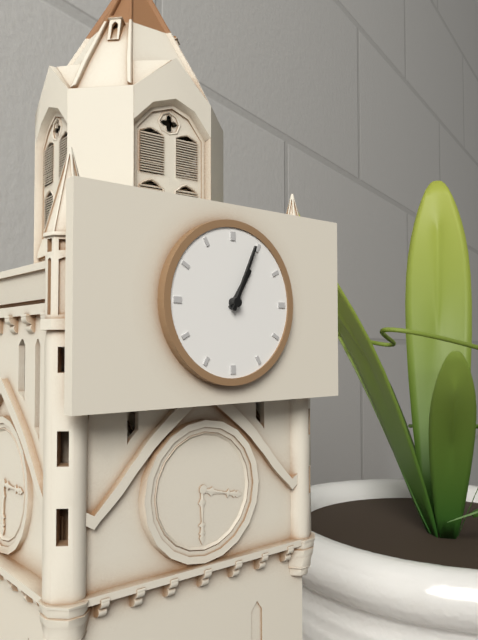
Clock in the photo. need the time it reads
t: 1:04
